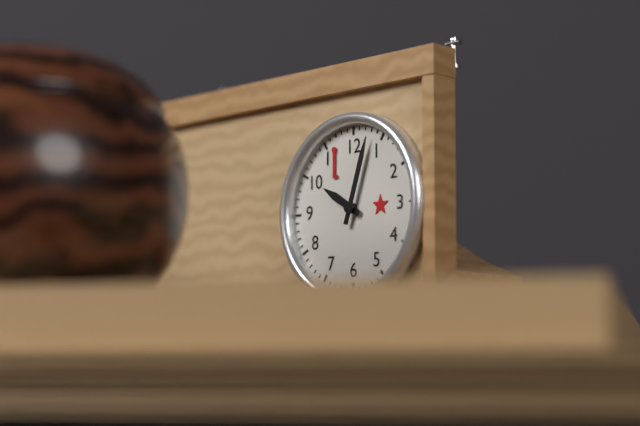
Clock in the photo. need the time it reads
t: 10:03
